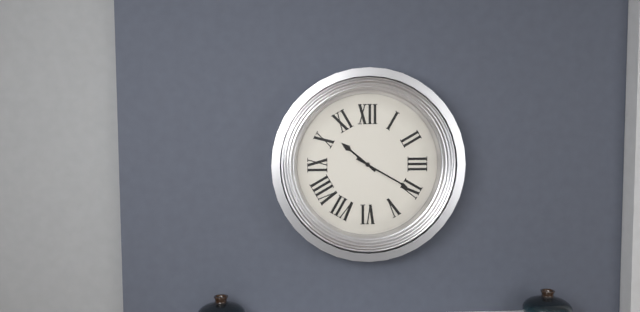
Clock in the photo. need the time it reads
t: 10:20
